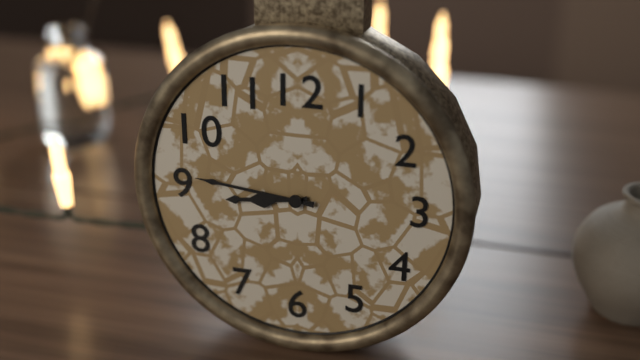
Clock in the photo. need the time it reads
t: 8:46
